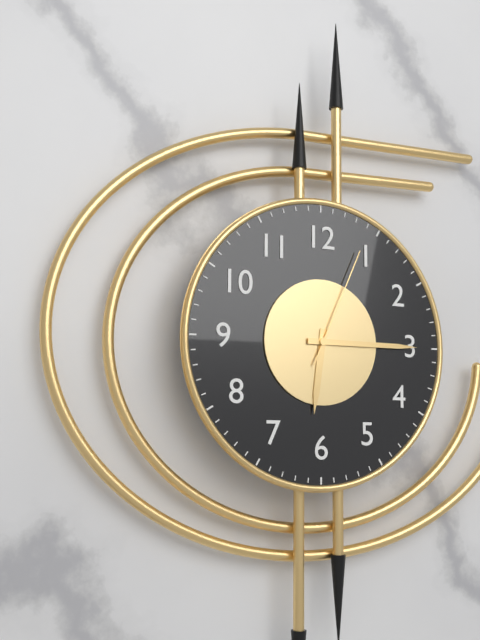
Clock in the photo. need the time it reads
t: 6:15:04
